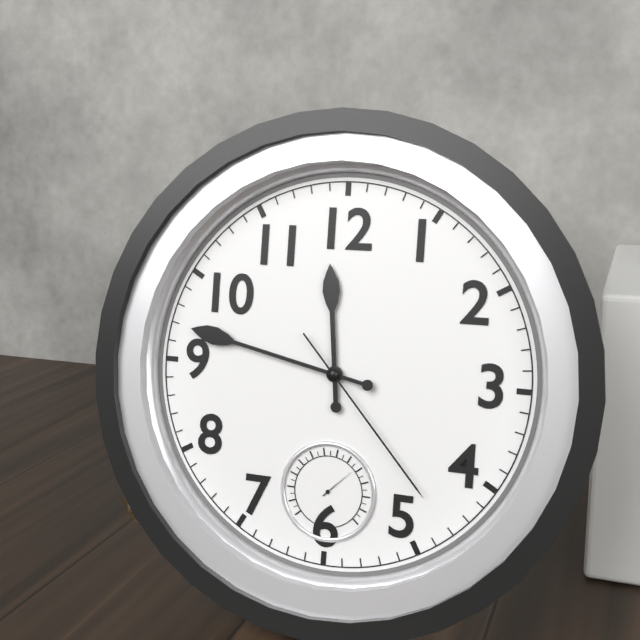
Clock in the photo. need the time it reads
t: 11:47:23
